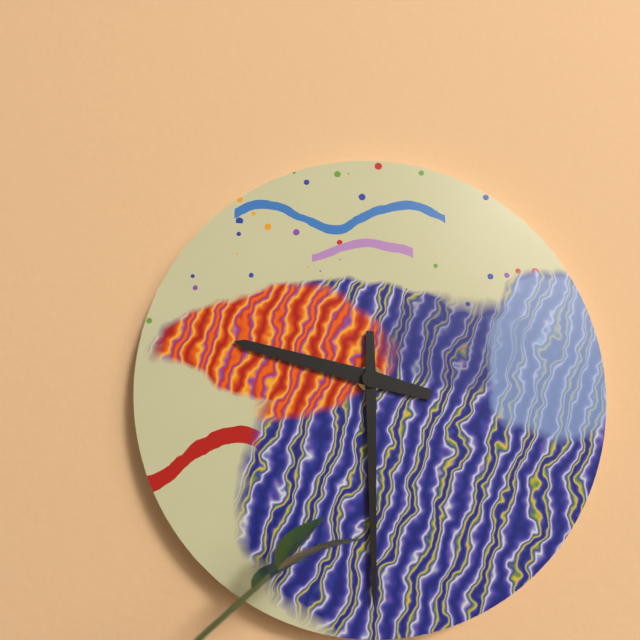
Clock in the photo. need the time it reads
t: 9:30
